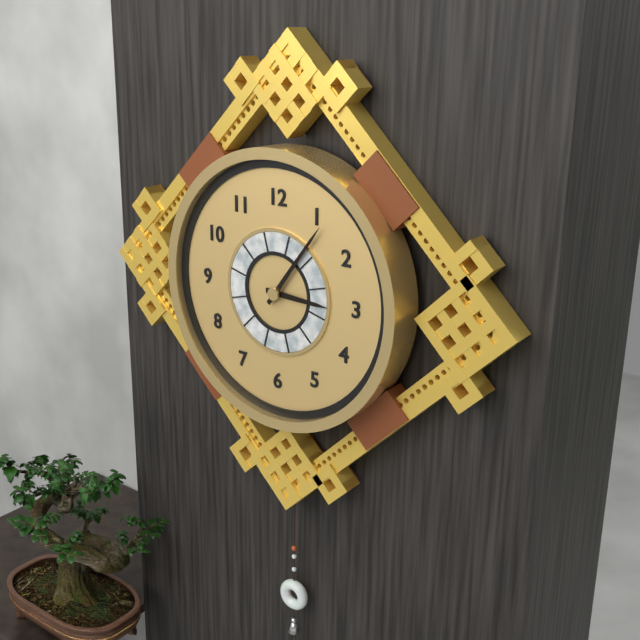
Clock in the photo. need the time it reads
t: 3:06
